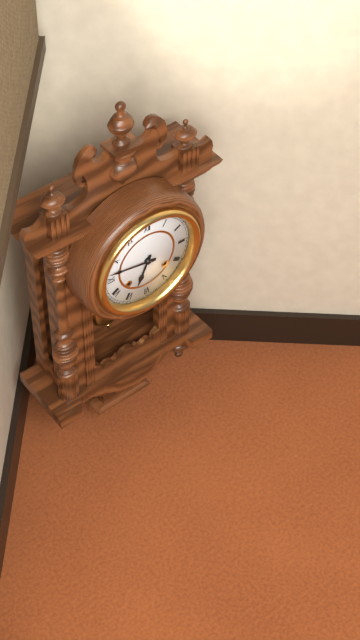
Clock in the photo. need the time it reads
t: 6:47
